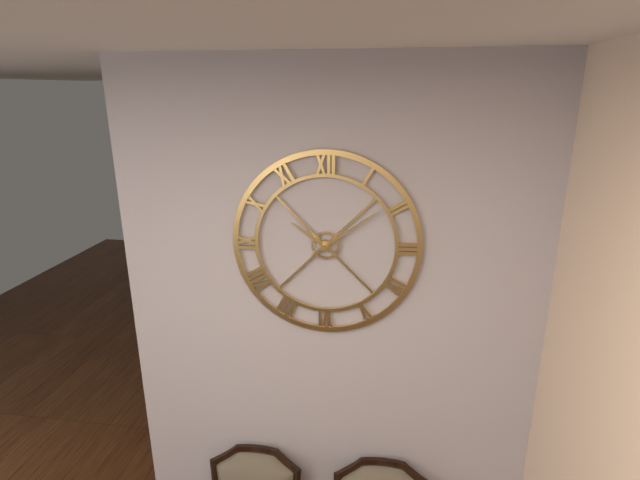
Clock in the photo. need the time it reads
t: 10:09
